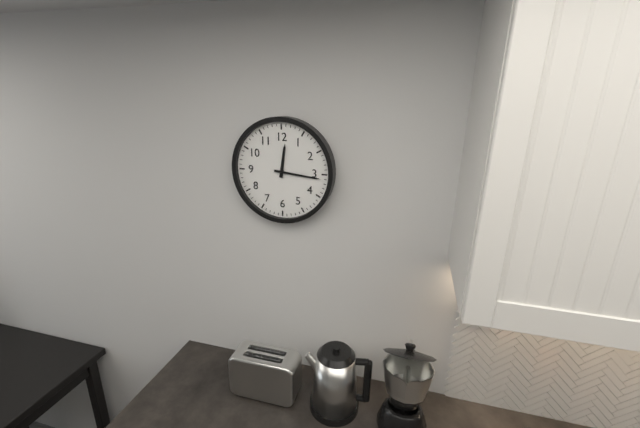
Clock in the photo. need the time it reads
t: 12:16
